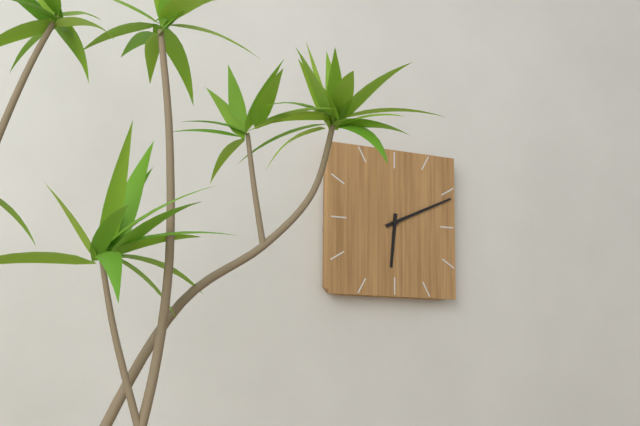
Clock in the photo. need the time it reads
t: 6:11
